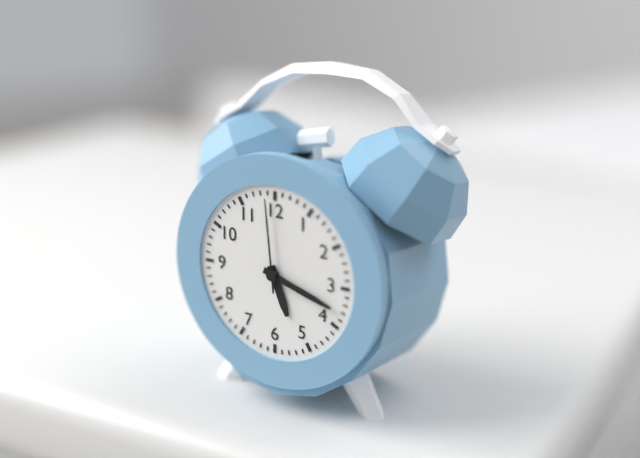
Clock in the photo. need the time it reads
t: 5:18:59
